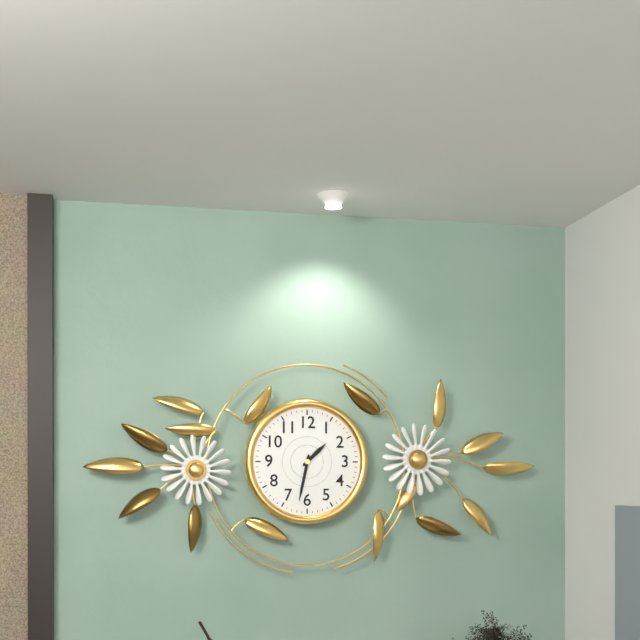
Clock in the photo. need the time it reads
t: 1:32
